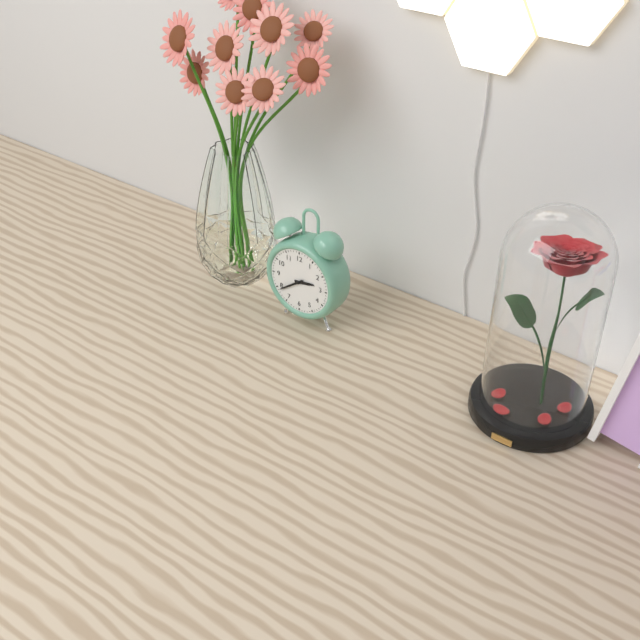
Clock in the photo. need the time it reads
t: 2:39
